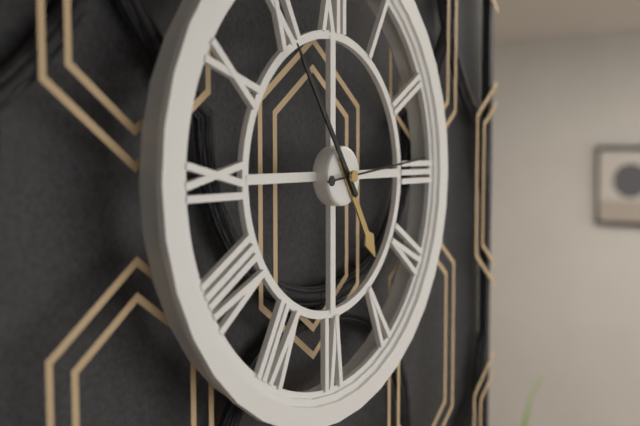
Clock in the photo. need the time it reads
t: 4:54:14
